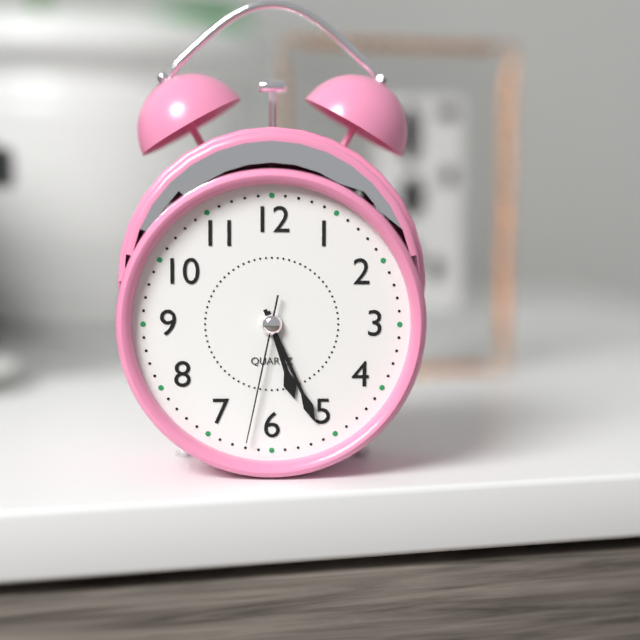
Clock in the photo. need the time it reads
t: 5:26:32
